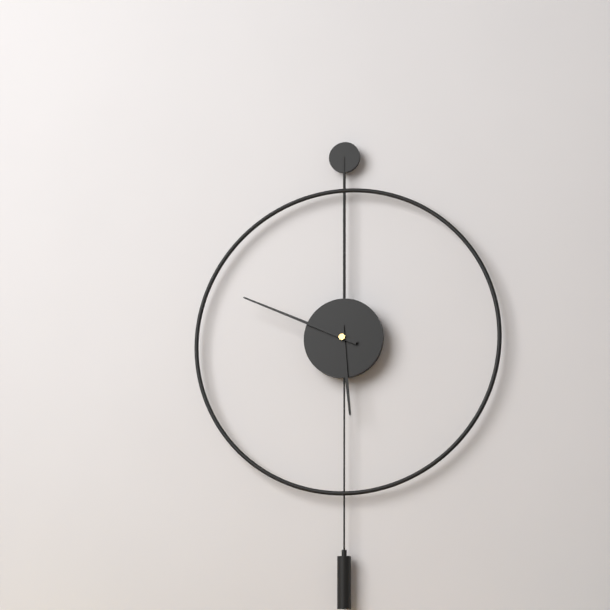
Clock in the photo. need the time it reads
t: 5:49
